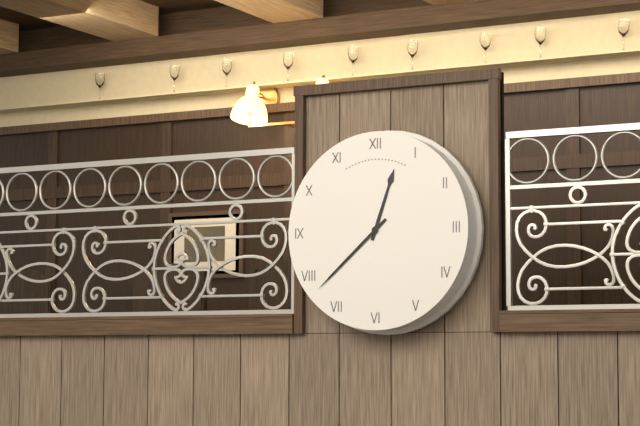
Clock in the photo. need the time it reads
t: 12:38
